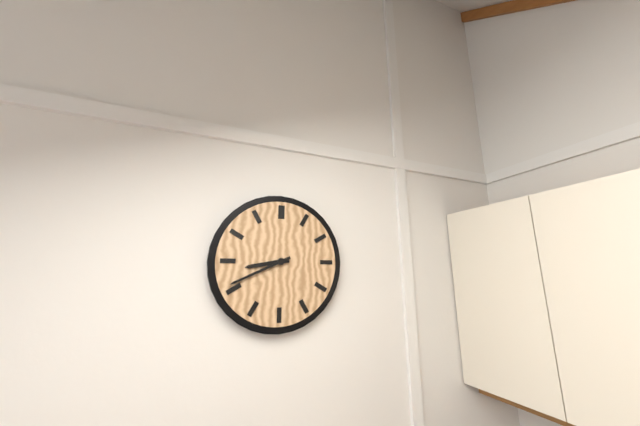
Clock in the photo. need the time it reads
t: 8:41
